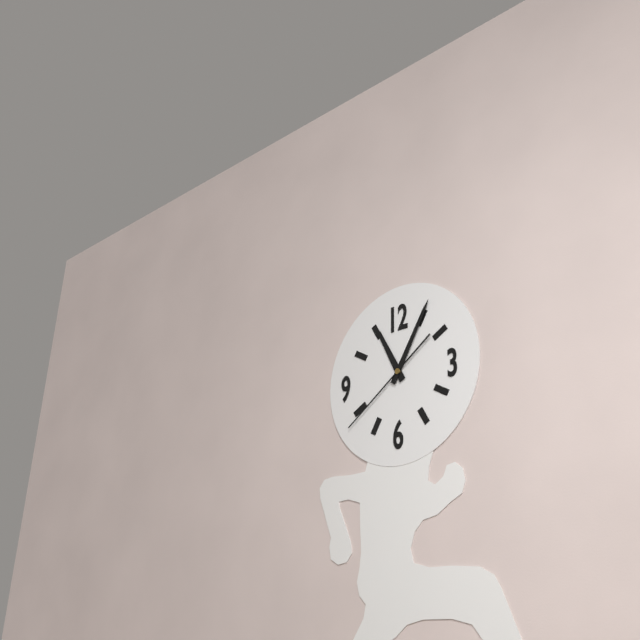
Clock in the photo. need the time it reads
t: 11:05:39
